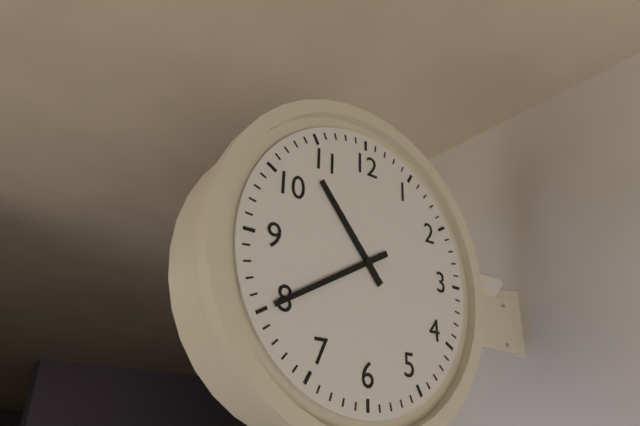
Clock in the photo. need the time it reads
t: 10:40
